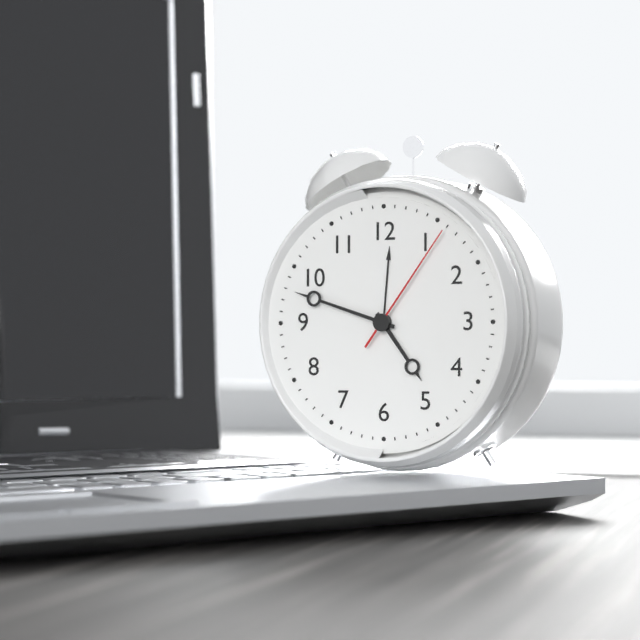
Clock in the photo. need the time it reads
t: 4:48:06
